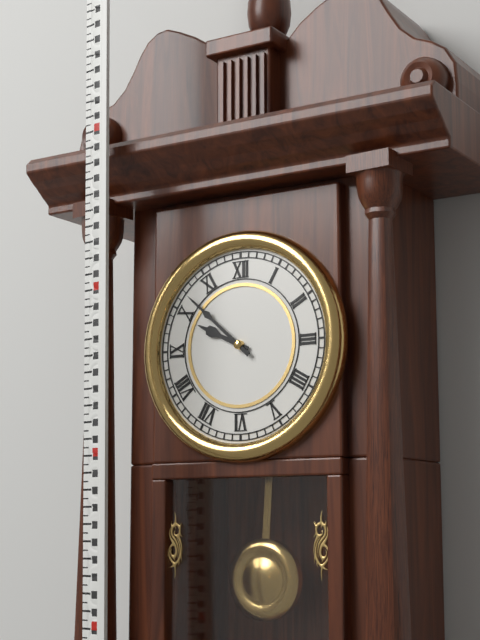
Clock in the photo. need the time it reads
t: 9:52
